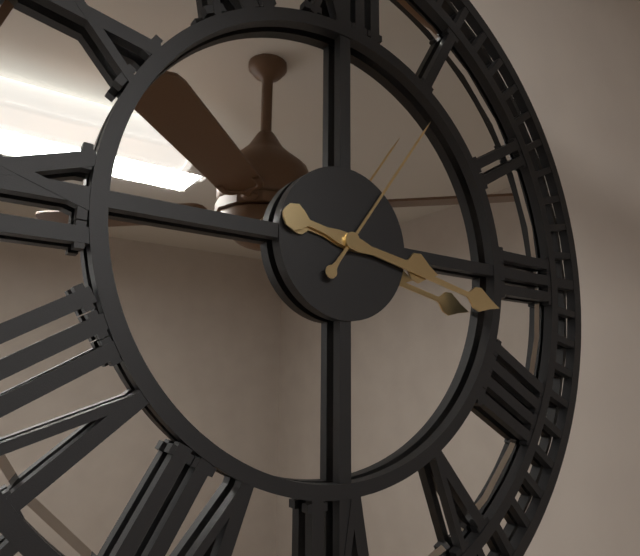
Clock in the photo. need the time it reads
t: 3:17:06
